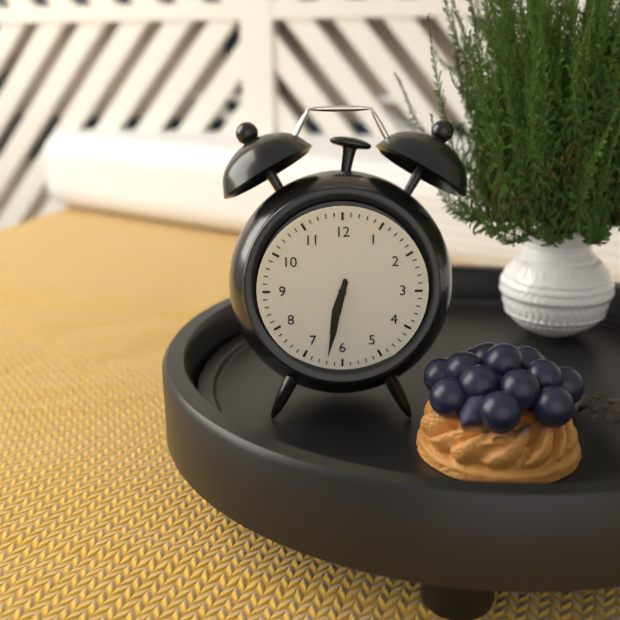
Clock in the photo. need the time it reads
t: 6:32
